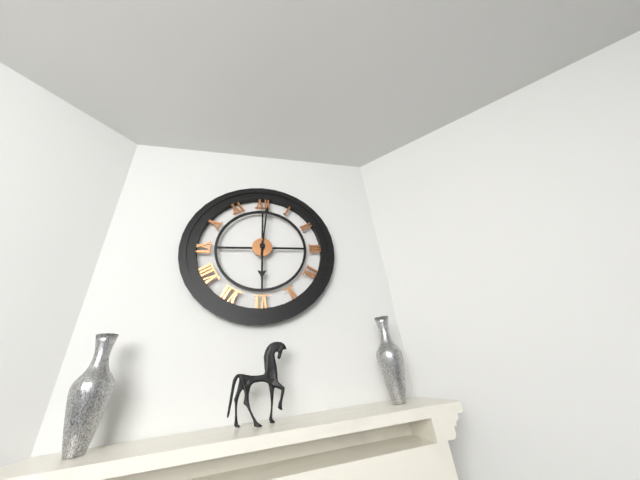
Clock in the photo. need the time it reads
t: 6:01
